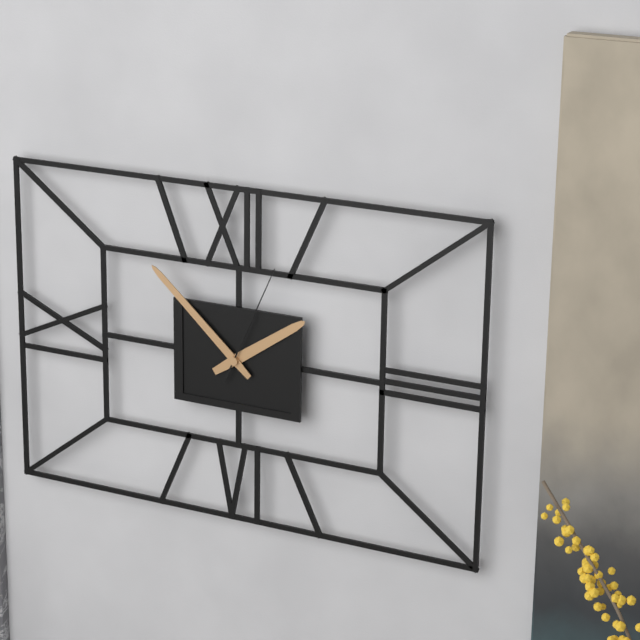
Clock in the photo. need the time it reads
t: 1:52:04
